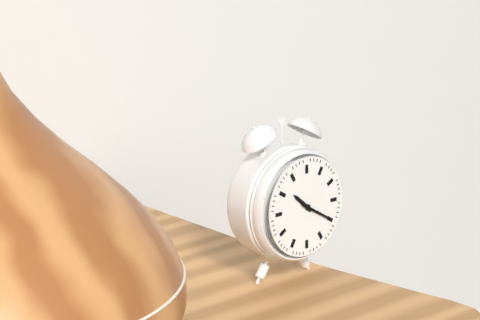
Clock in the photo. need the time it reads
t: 10:20
